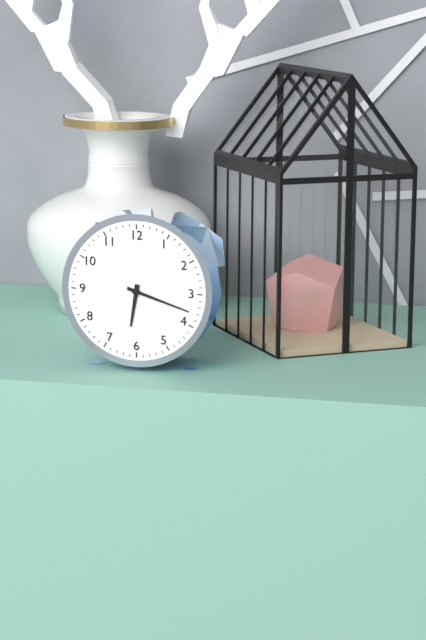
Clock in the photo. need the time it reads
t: 6:18
